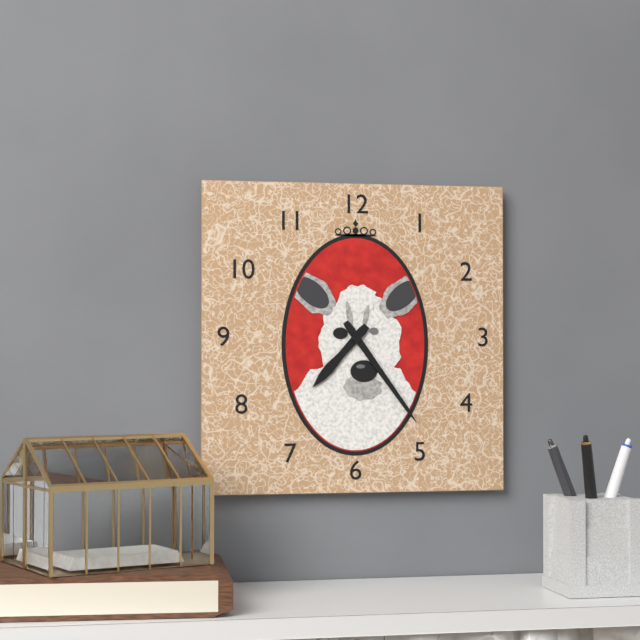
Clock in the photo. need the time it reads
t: 7:24
